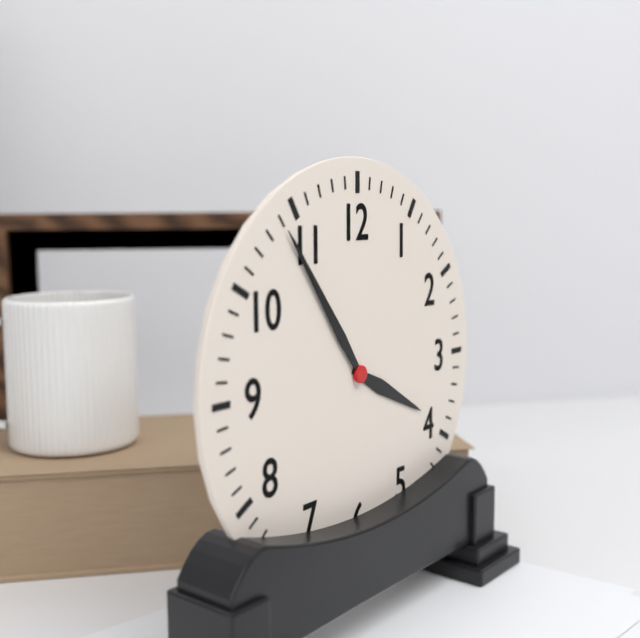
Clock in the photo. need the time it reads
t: 3:54
